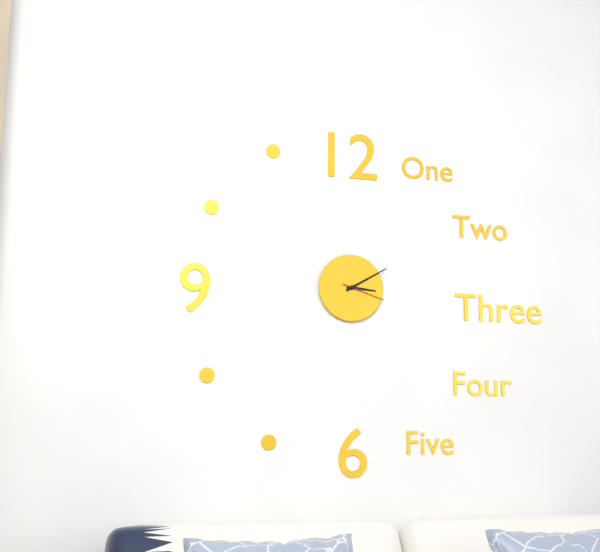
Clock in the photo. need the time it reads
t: 3:10
